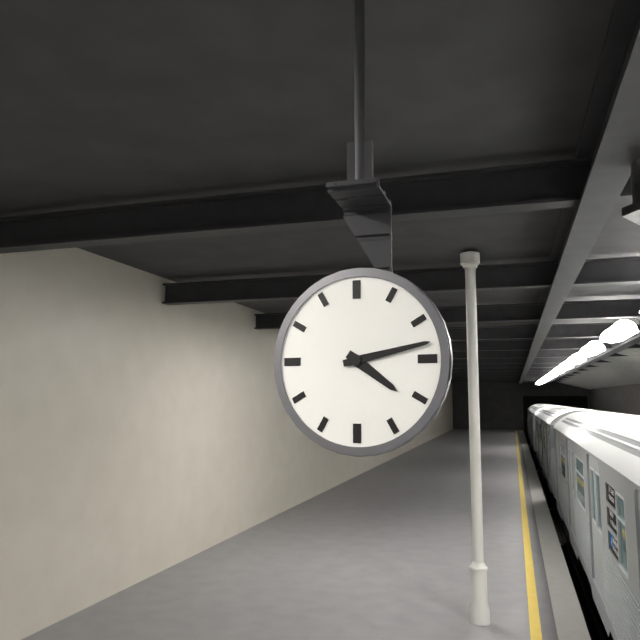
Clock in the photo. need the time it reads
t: 4:13
